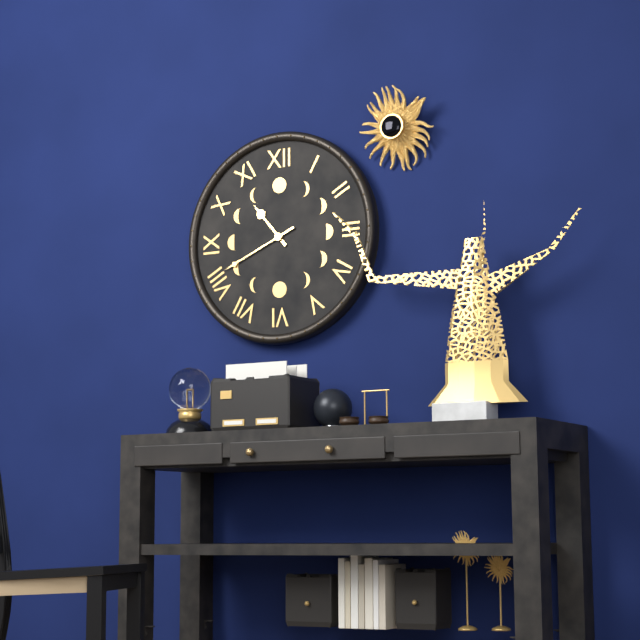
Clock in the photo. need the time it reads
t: 10:41
